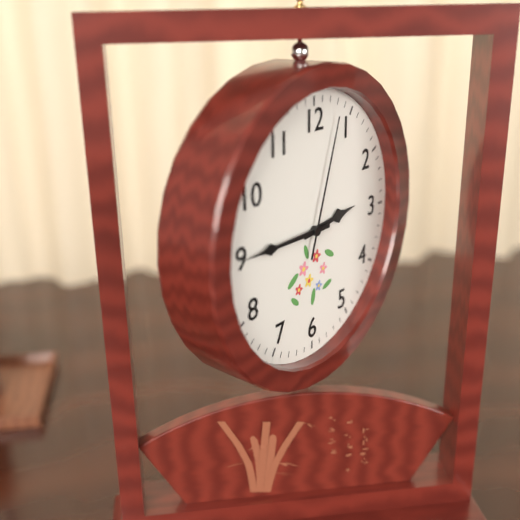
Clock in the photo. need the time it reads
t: 2:45:03
